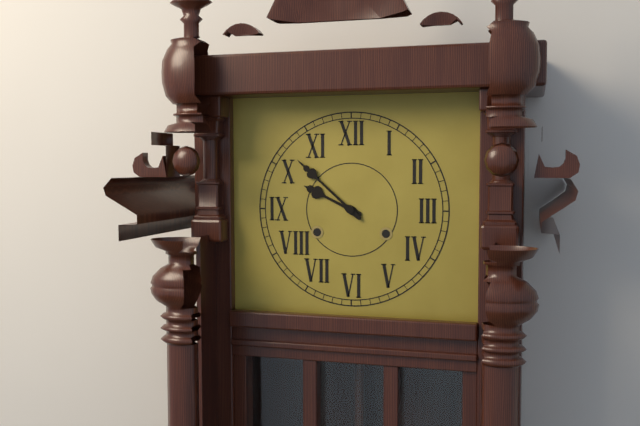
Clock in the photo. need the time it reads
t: 9:52
